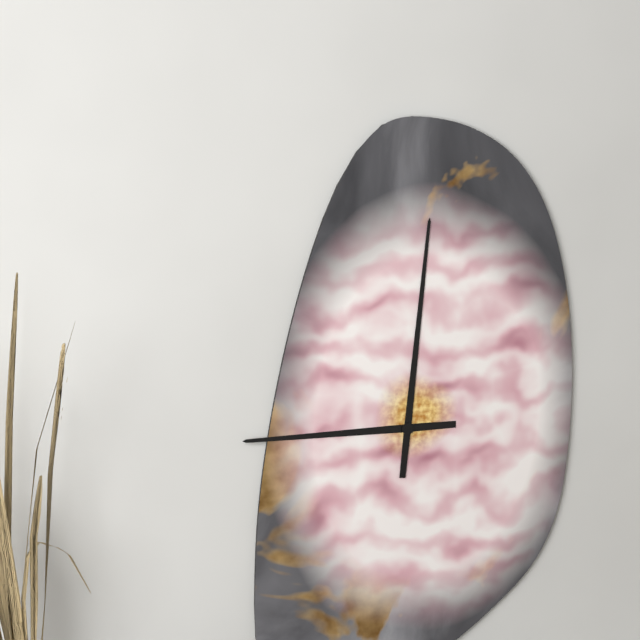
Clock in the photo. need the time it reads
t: 9:01
